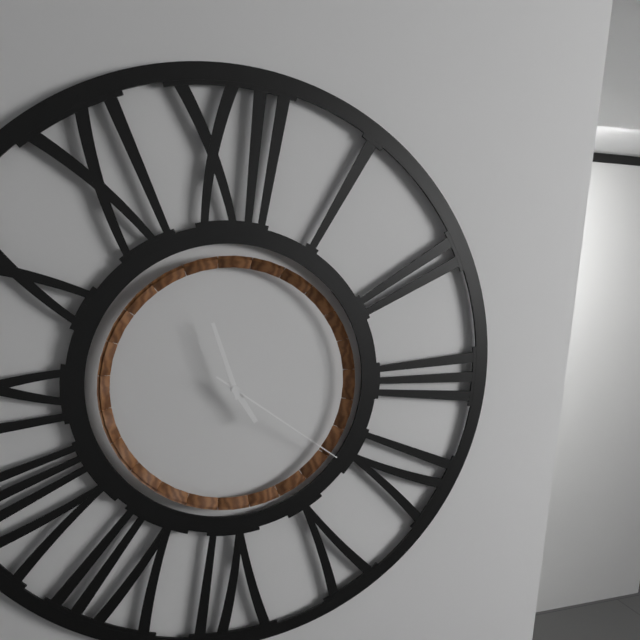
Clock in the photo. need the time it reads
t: 4:57:21
